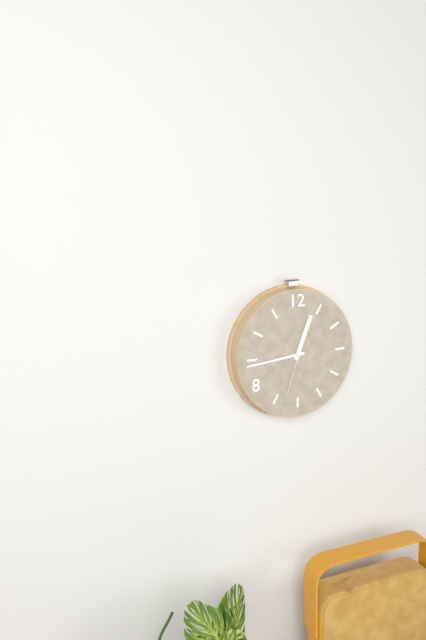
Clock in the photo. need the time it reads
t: 12:44:33
